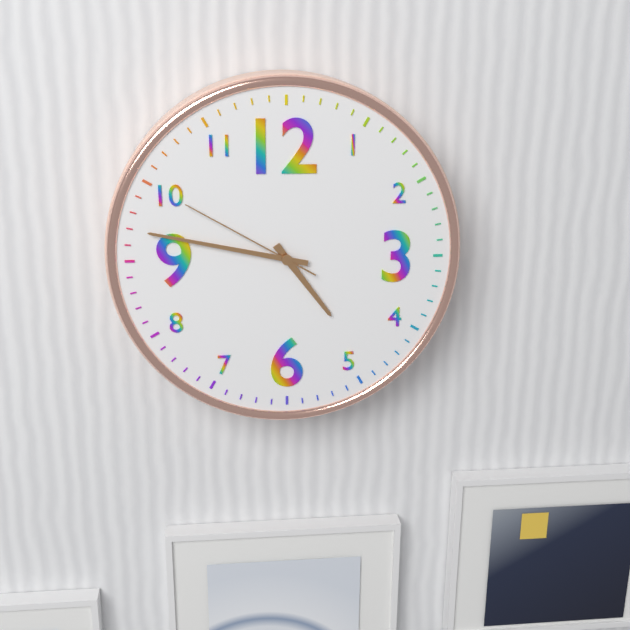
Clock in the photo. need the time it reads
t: 4:47:50
